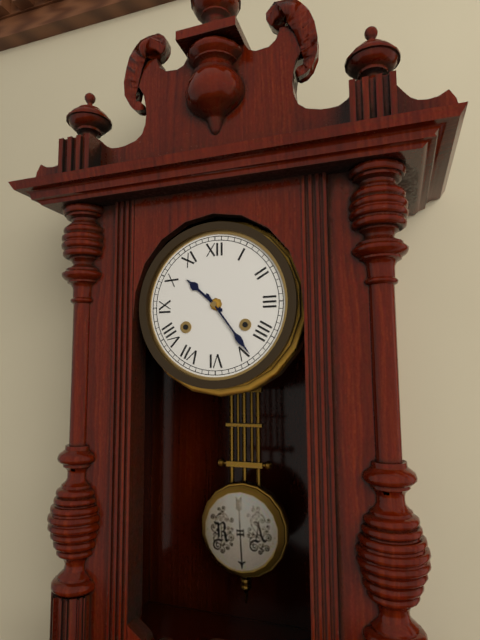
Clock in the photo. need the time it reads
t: 10:24
